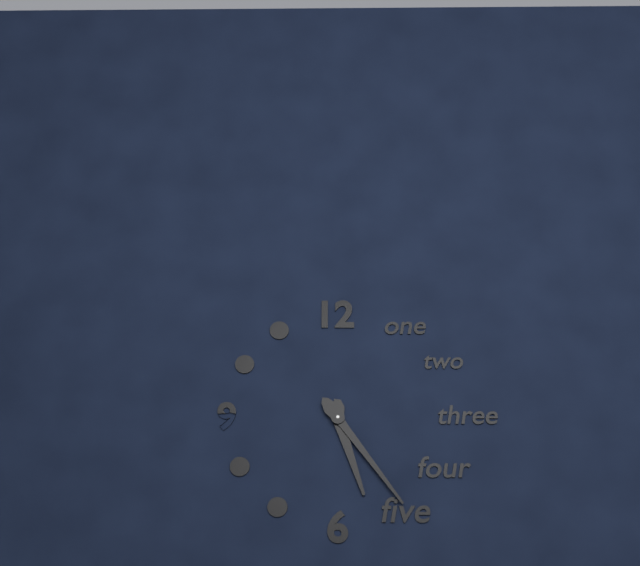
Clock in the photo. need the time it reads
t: 5:24
